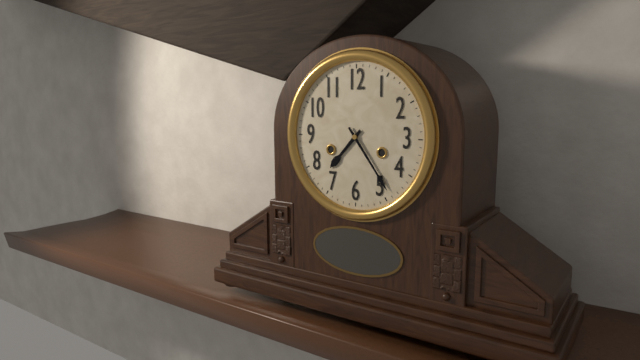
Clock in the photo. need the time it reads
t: 7:24
